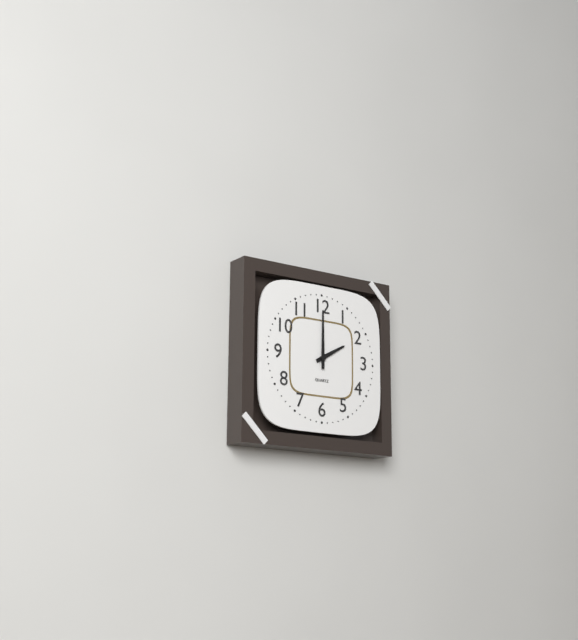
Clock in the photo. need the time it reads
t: 2:00
